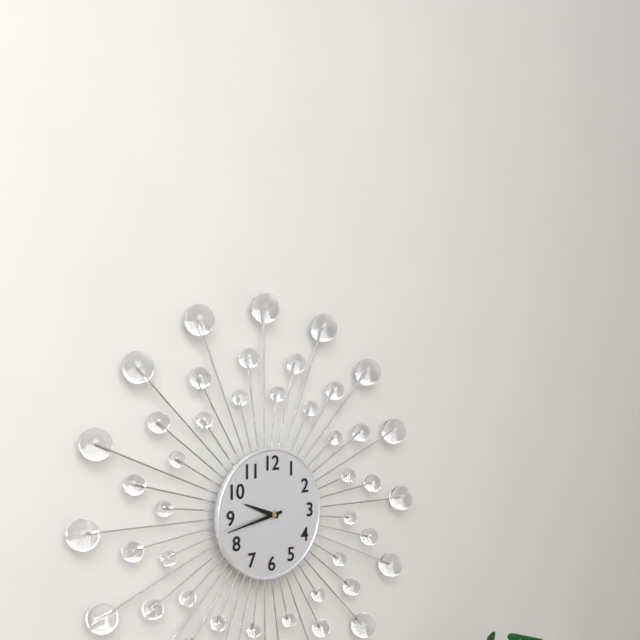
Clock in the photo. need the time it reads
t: 9:43
